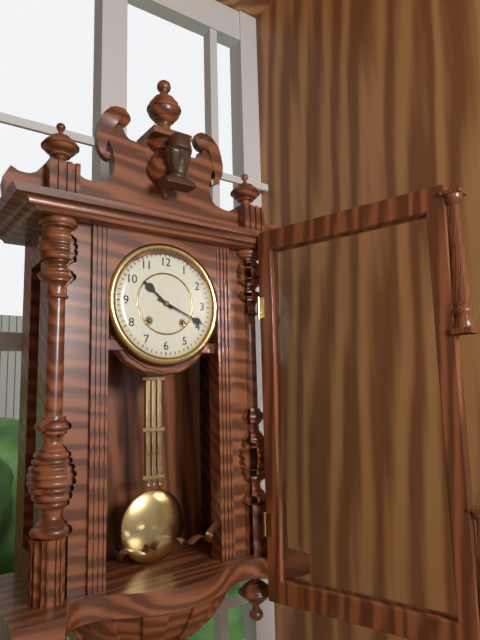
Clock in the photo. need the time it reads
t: 10:19
